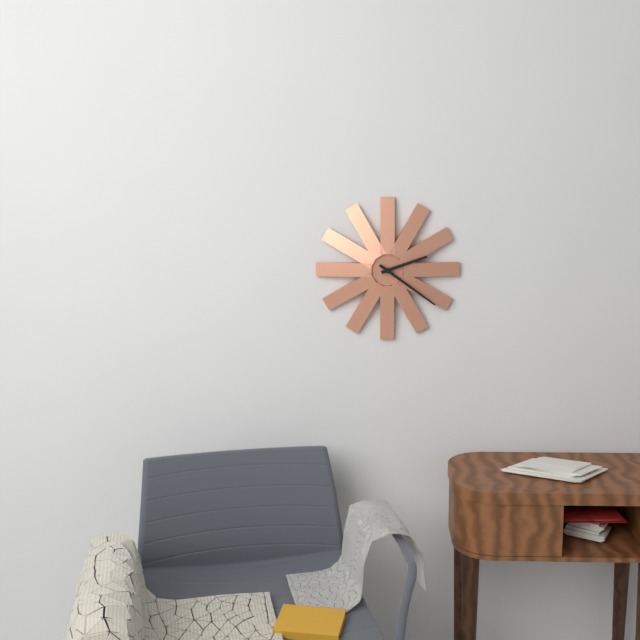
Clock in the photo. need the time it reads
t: 2:21
